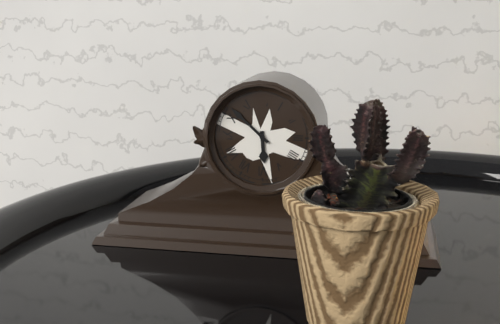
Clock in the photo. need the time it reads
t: 5:52
